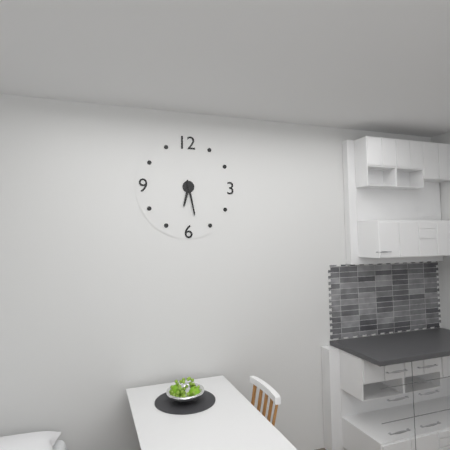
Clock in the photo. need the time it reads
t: 6:28
